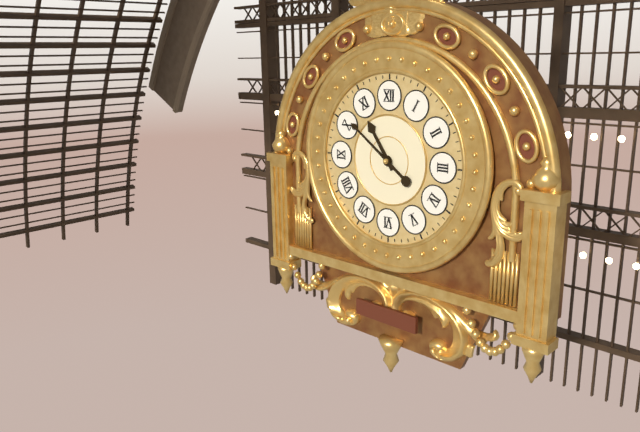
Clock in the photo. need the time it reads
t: 10:51
